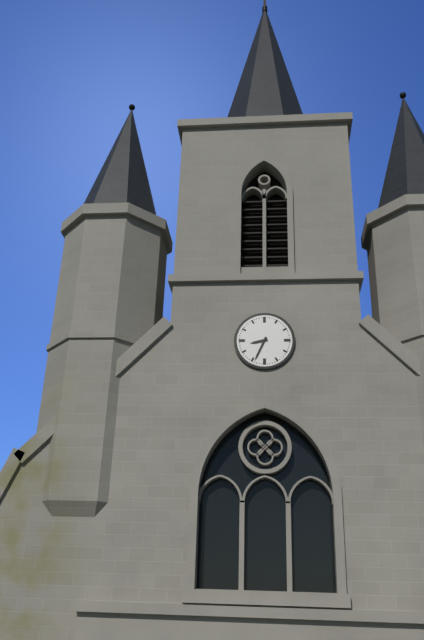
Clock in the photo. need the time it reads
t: 8:34
